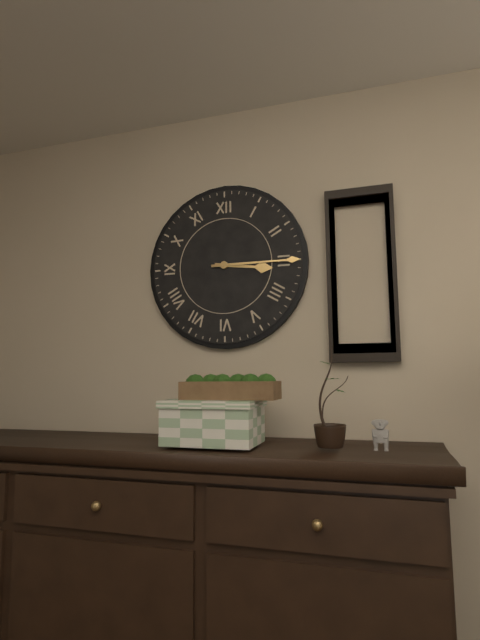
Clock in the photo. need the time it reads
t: 3:15
